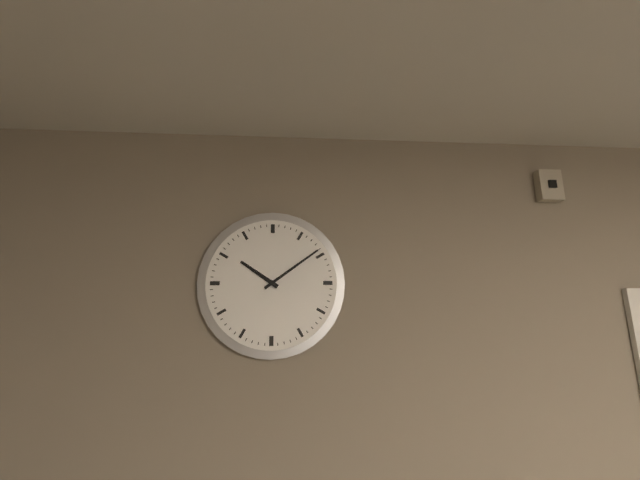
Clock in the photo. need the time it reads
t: 10:09
